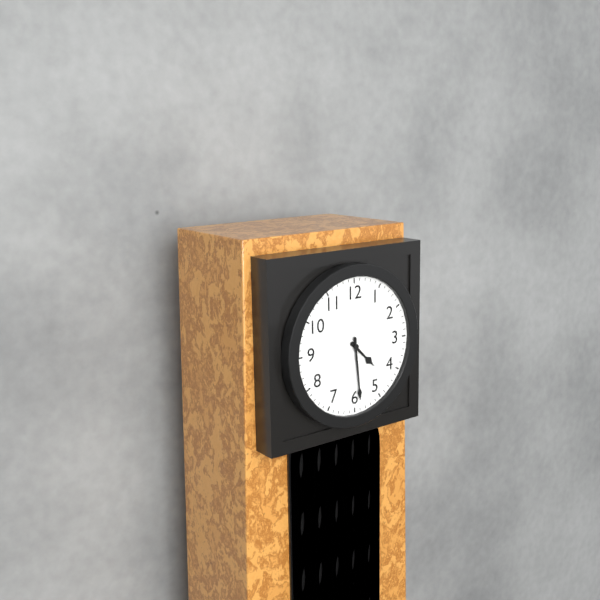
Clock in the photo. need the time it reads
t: 4:29
